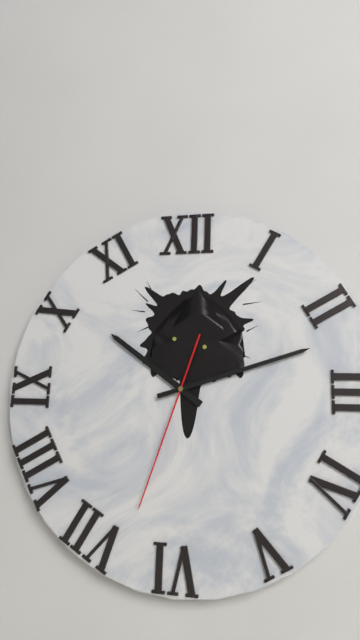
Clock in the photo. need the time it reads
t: 10:12:33
